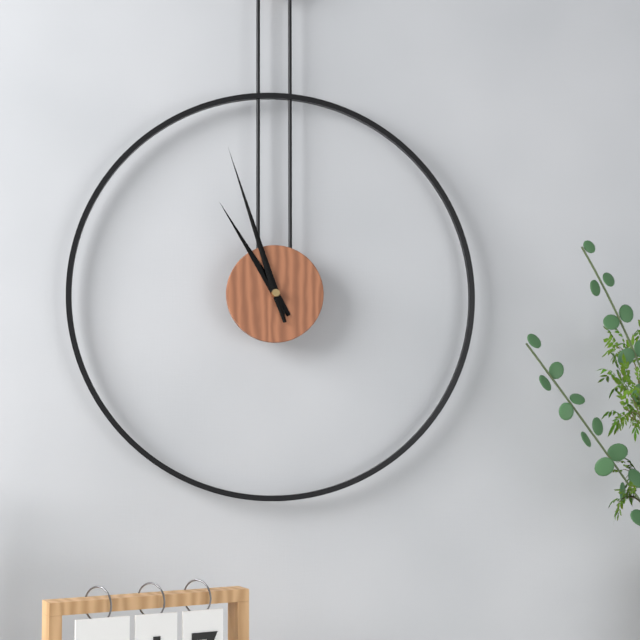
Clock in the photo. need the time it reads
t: 10:57
